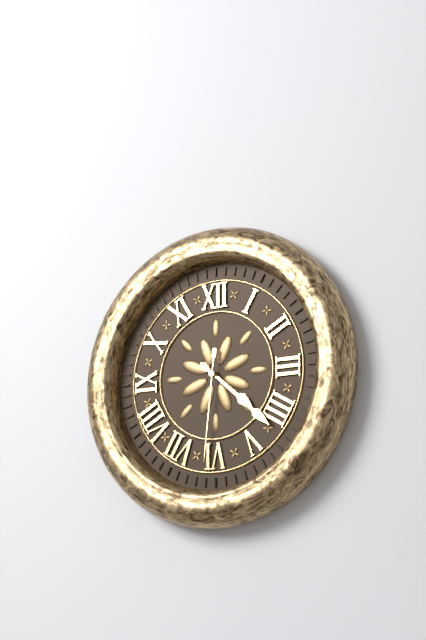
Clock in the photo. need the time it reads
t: 4:22:31
